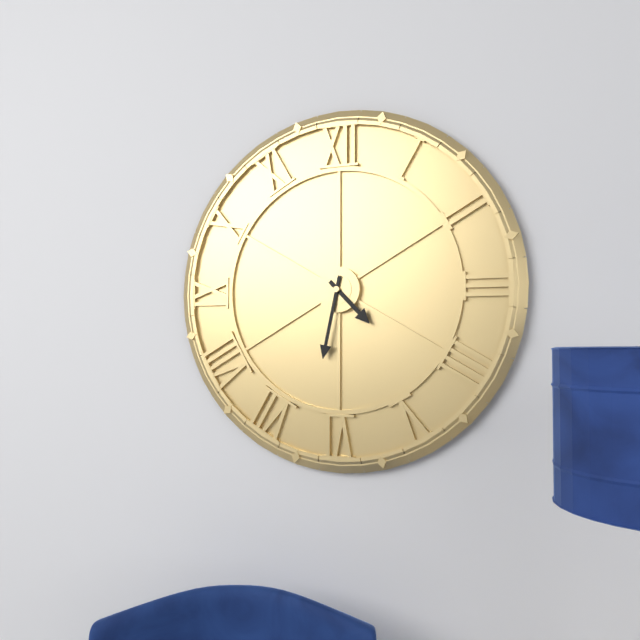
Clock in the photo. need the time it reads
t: 4:32
